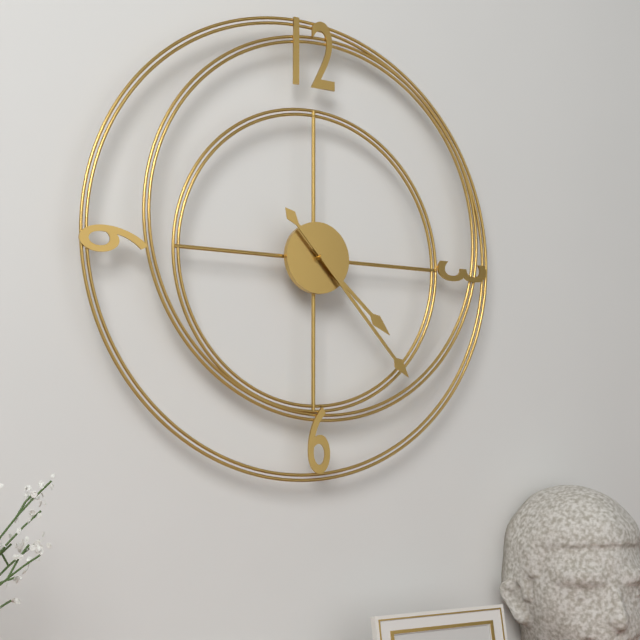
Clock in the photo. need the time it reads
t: 4:23
